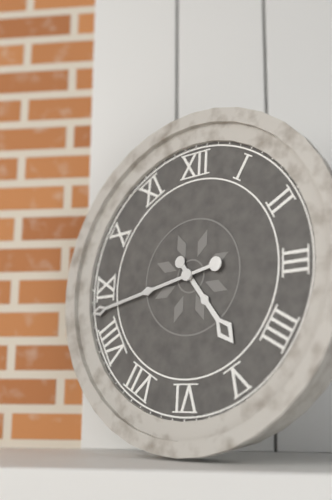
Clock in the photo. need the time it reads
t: 4:43
